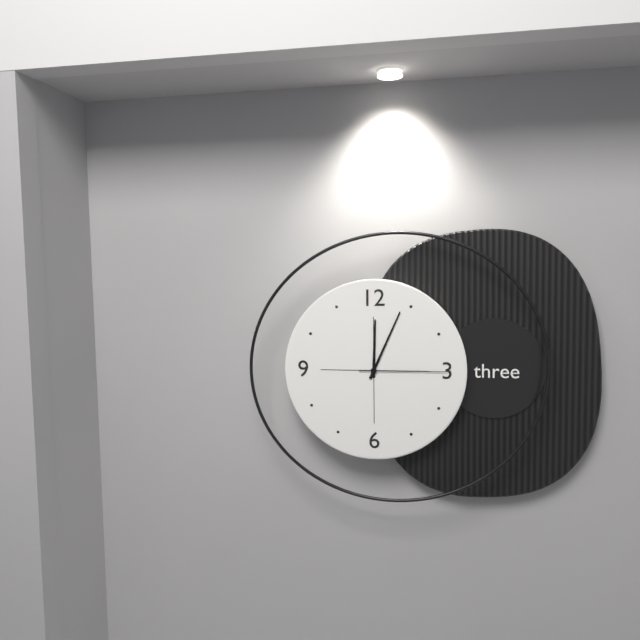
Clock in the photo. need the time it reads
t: 12:04:15
